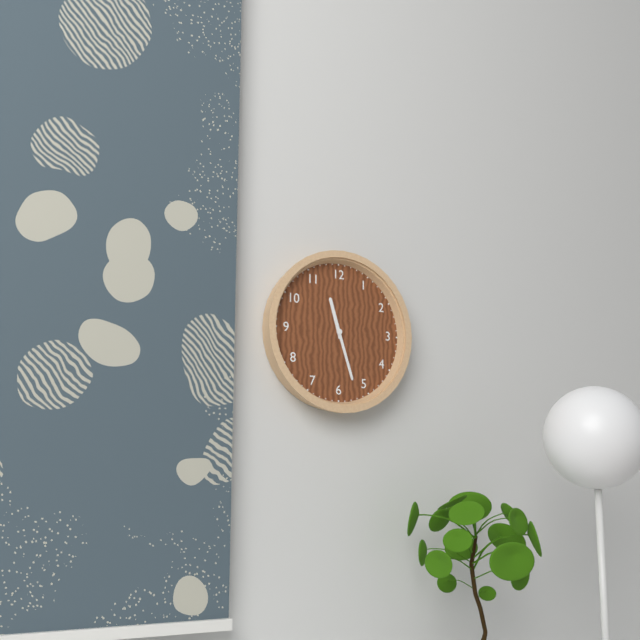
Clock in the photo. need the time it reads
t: 11:27
